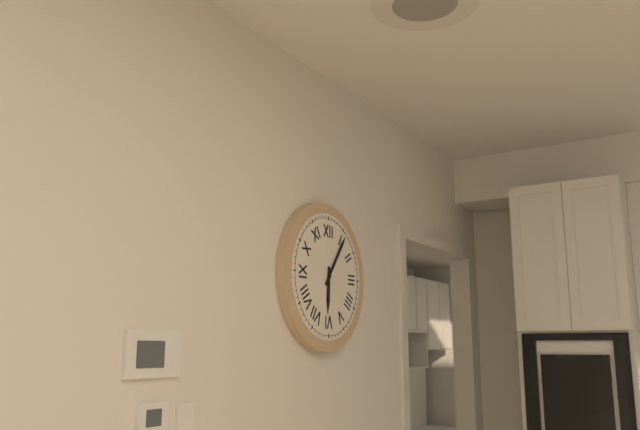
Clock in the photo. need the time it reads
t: 6:06
